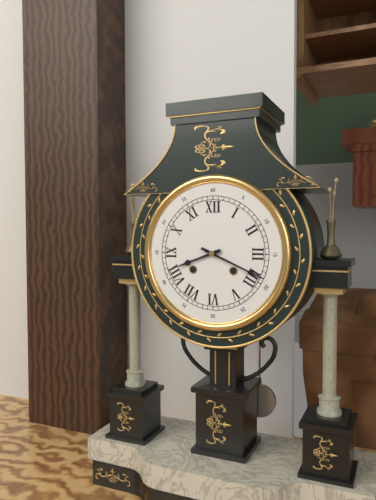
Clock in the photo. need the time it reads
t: 8:19
